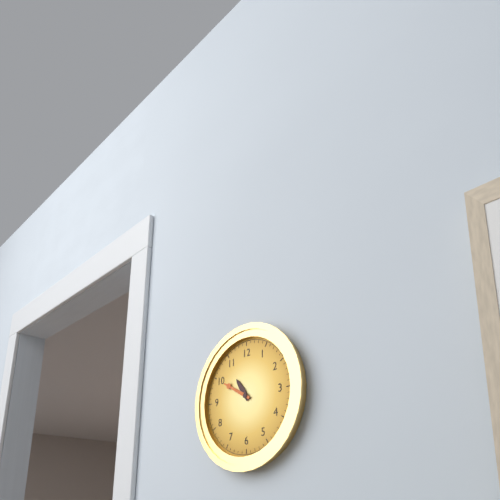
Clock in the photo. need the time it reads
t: 10:50
